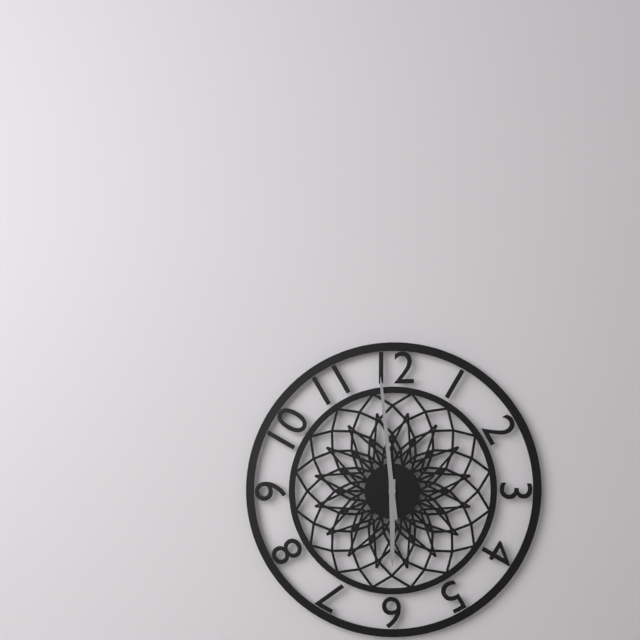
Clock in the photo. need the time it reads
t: 5:59
